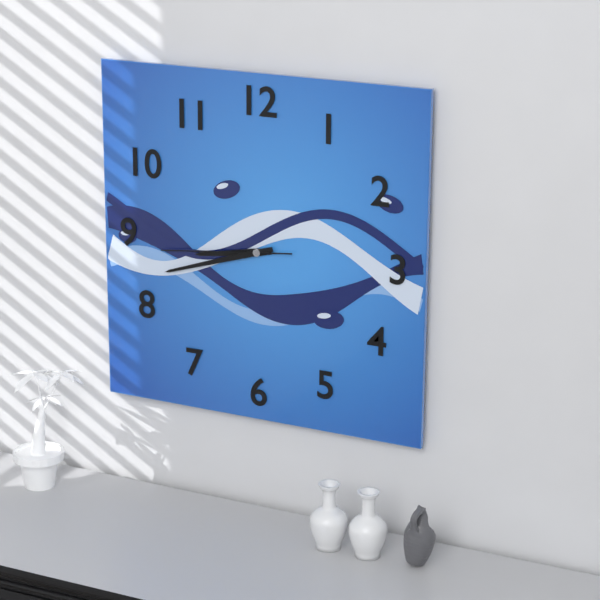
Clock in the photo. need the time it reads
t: 8:42:44
